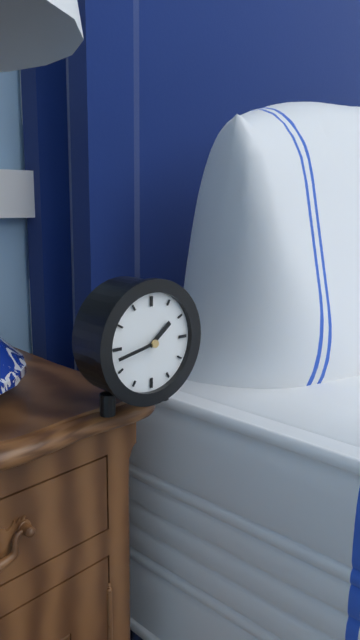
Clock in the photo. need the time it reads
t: 1:43
